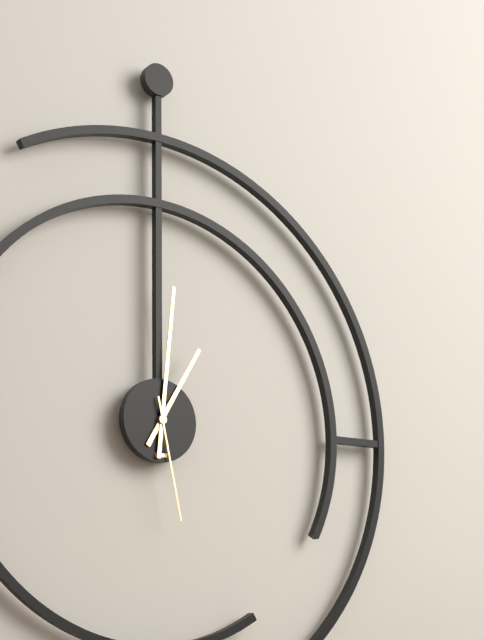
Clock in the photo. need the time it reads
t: 1:01:28
